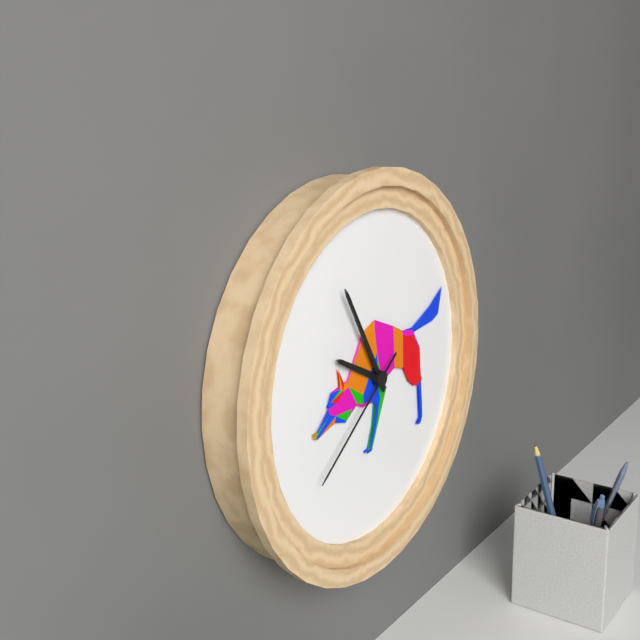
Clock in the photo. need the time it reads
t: 9:55:39
